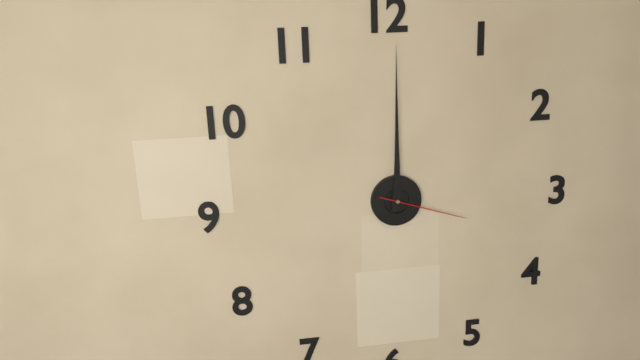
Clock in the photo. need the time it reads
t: 12:00:18
